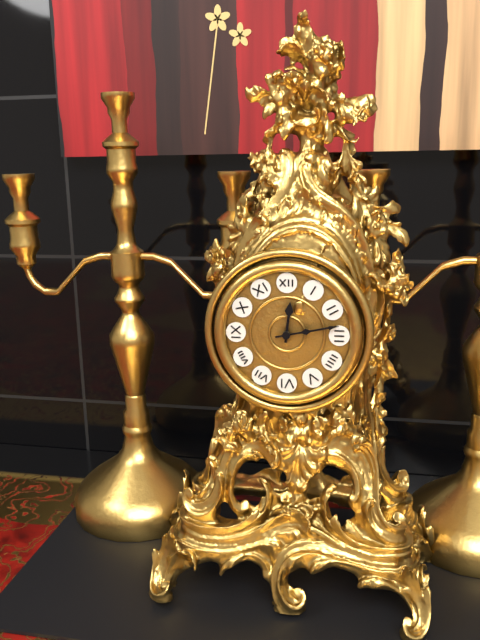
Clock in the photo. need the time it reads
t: 12:13
